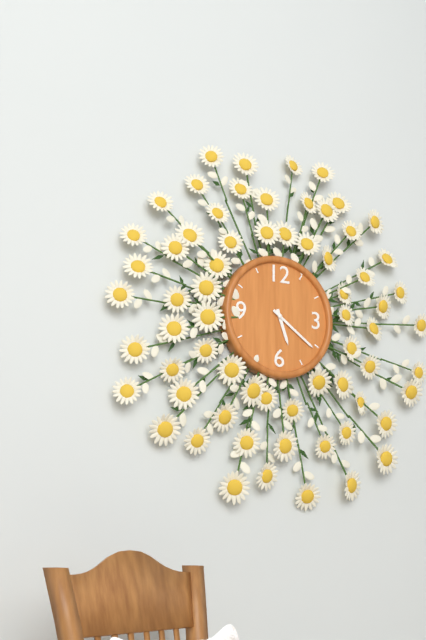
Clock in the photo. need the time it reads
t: 5:21
